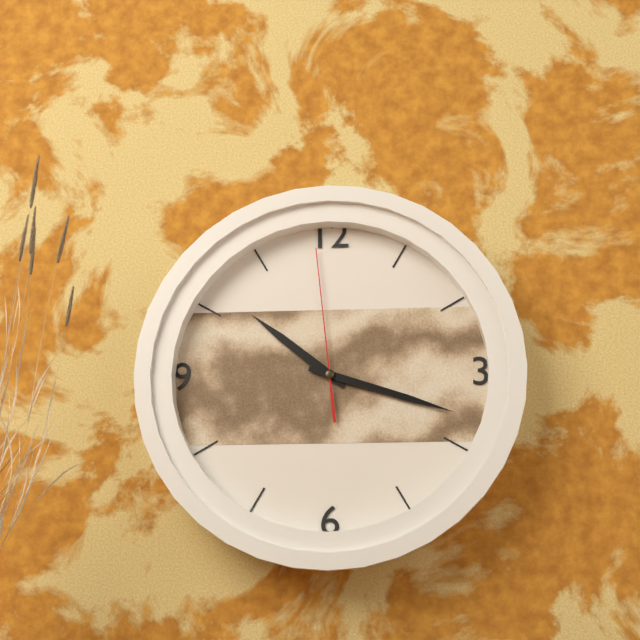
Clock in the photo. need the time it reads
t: 10:18:59
